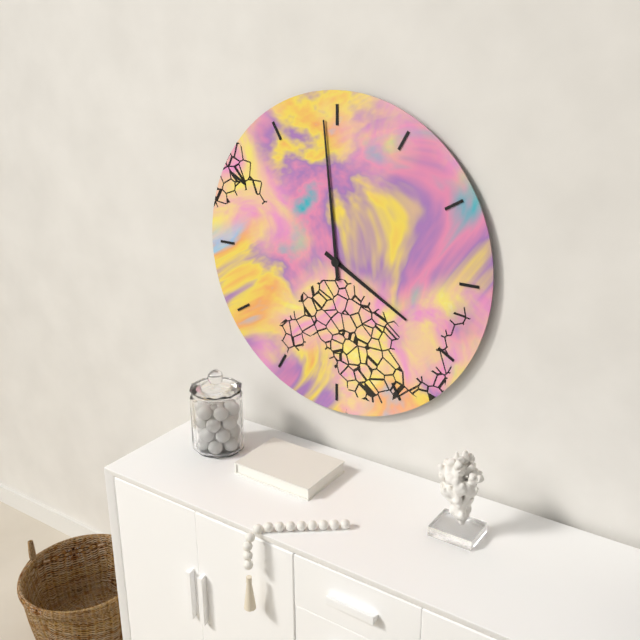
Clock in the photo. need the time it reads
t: 3:59
